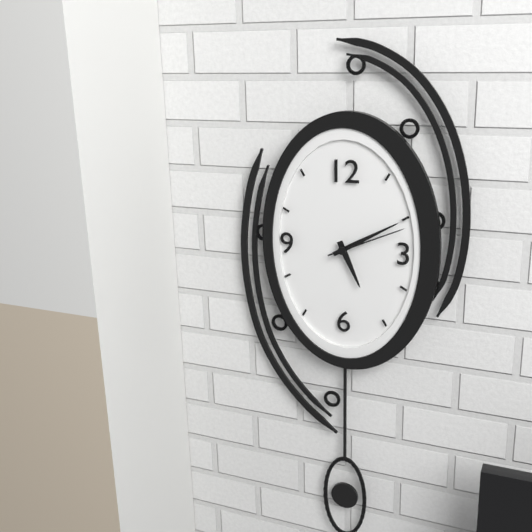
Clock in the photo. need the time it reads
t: 5:10:11
